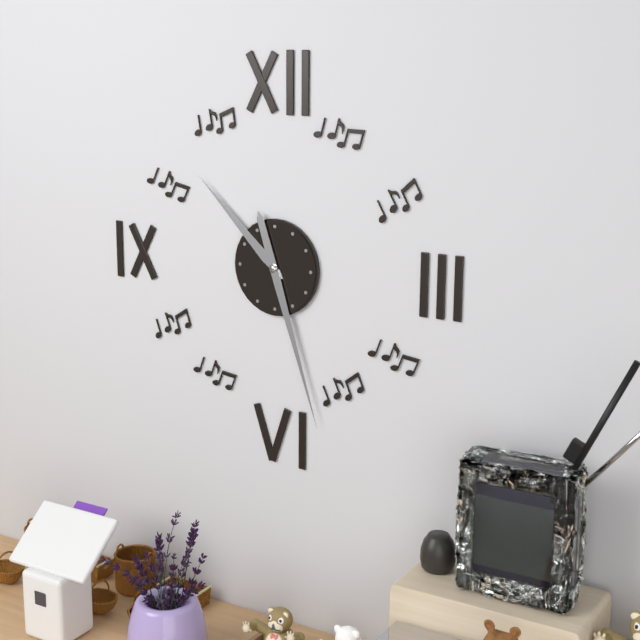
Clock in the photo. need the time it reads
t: 10:27
